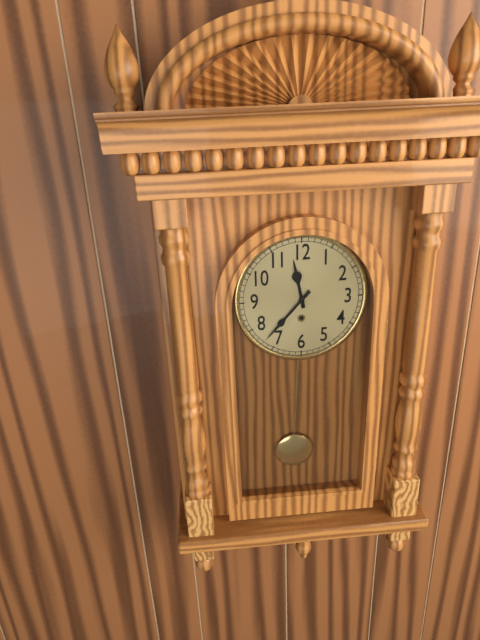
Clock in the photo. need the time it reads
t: 11:37
